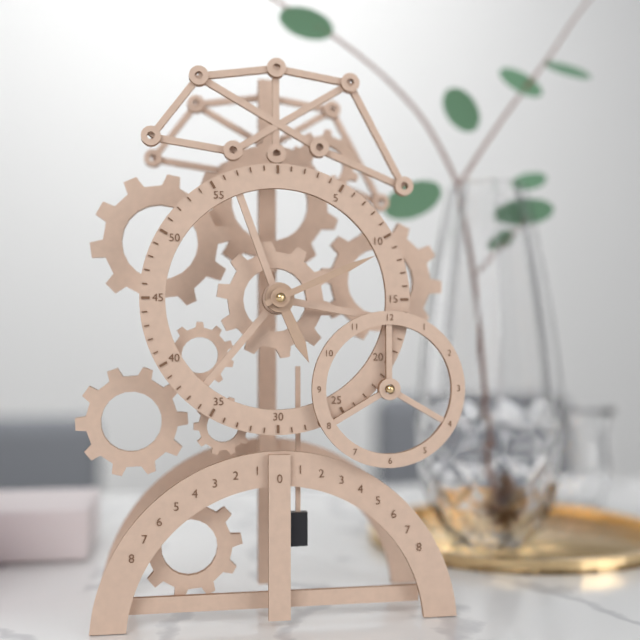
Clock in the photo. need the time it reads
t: 5:11
